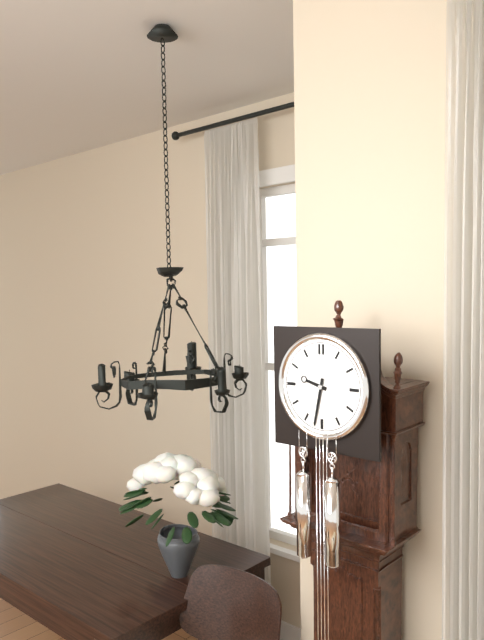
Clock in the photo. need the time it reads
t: 9:32
